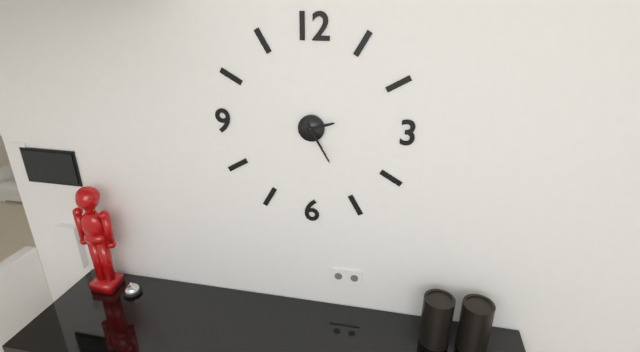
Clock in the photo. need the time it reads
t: 2:25
